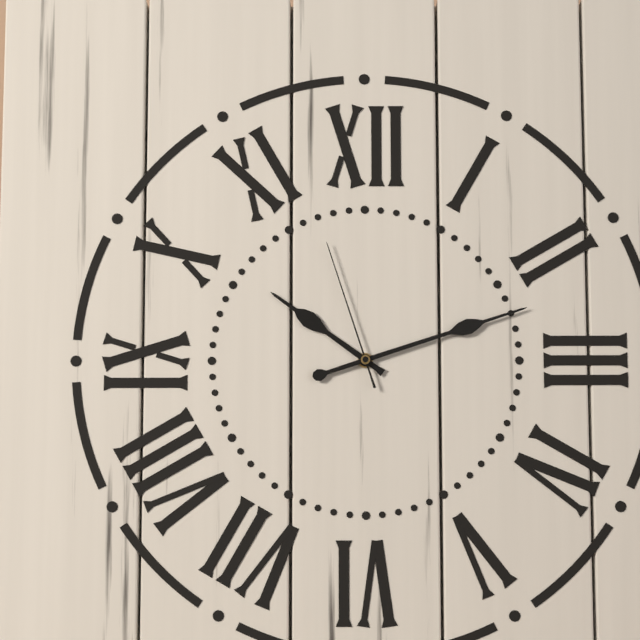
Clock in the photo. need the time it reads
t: 10:12:57
